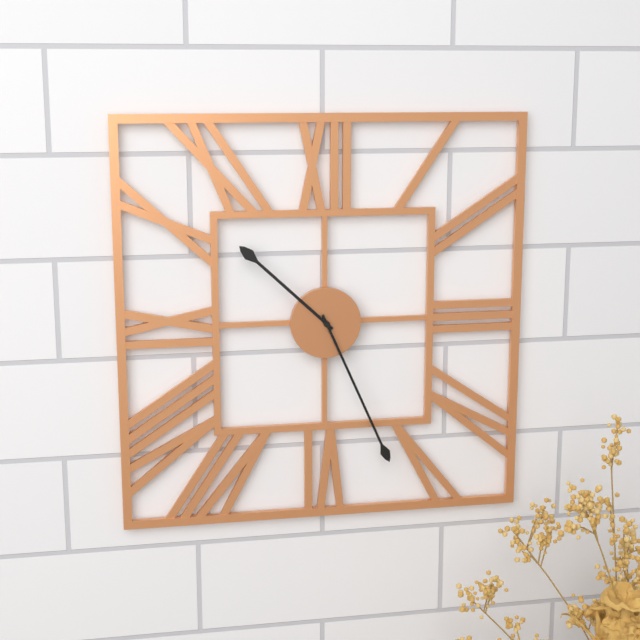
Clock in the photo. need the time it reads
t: 10:26
